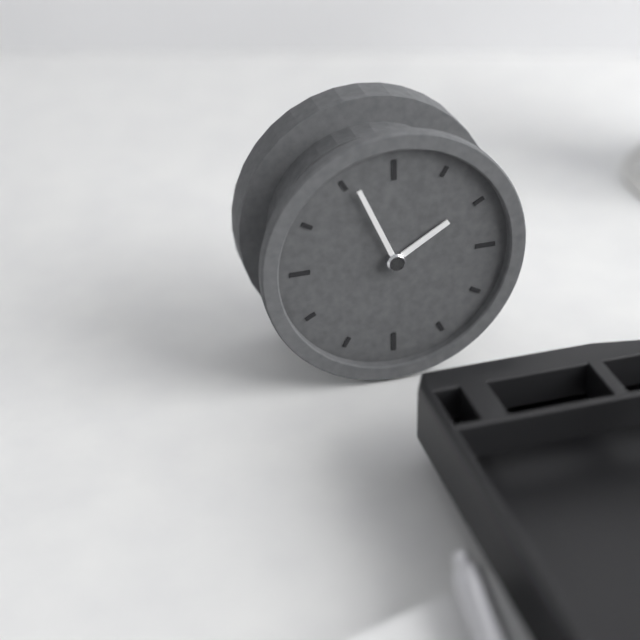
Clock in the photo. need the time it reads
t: 1:56
